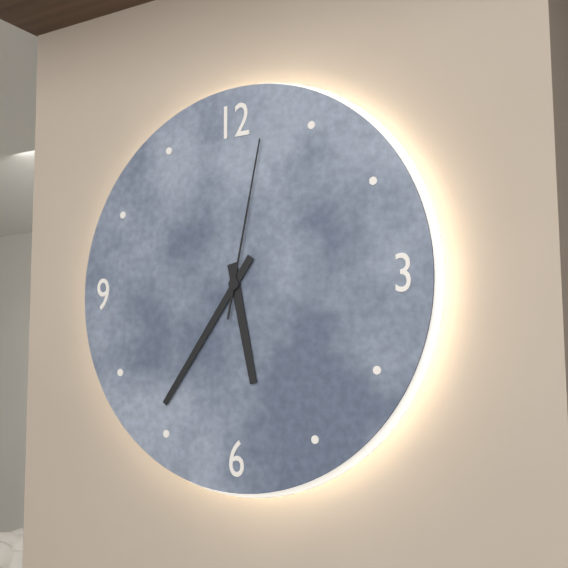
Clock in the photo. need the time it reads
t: 5:36:02
